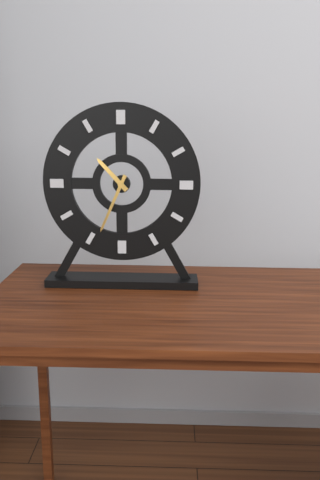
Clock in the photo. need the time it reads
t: 10:34
